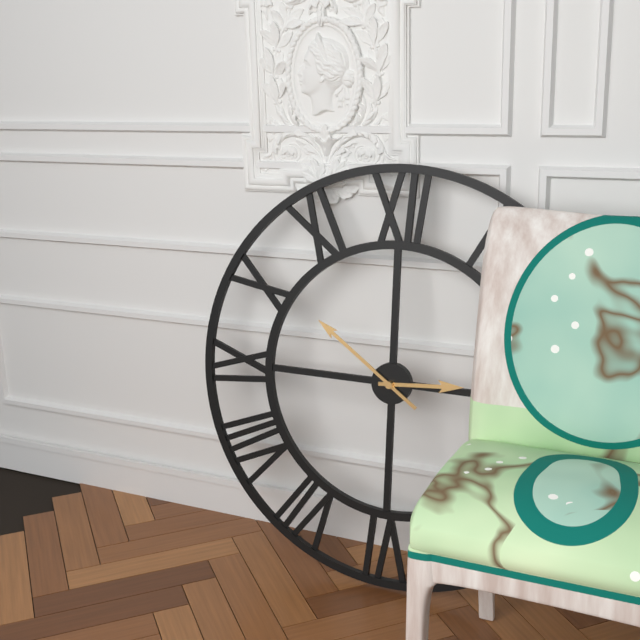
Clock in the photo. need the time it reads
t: 2:51
